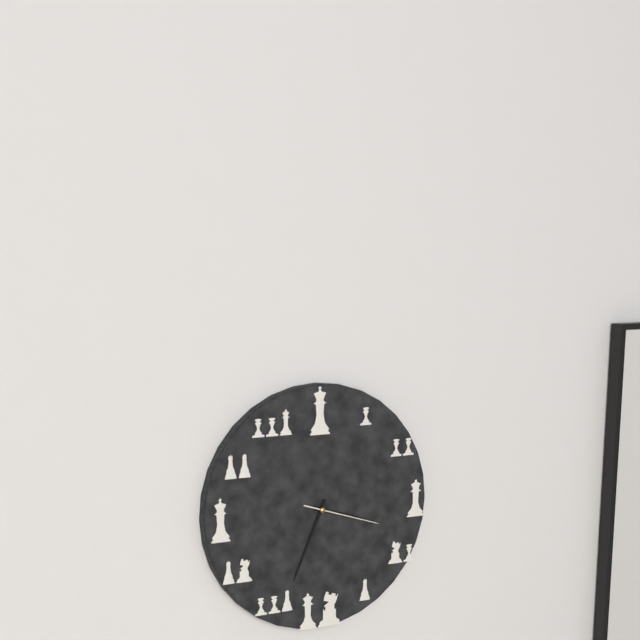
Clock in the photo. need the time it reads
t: 3:34:18
